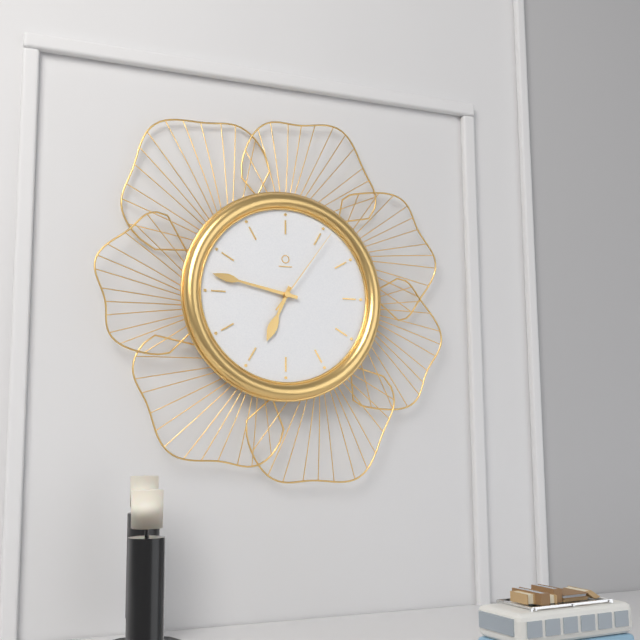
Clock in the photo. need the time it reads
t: 6:47:06
